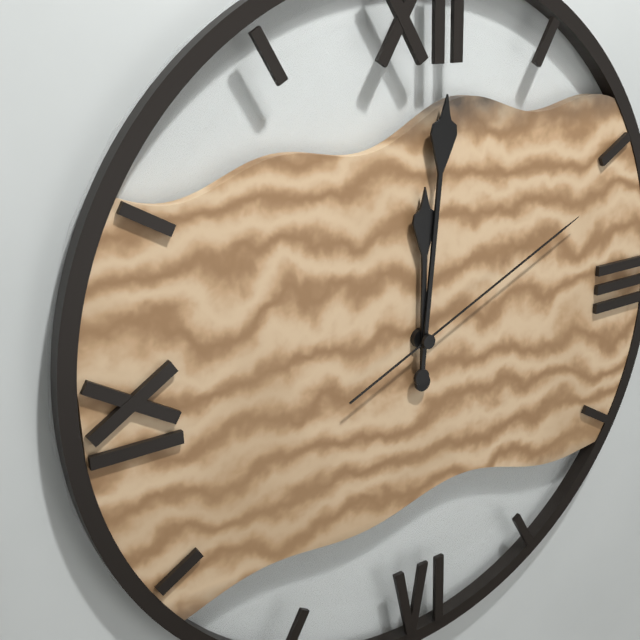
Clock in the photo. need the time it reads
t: 12:01:11
